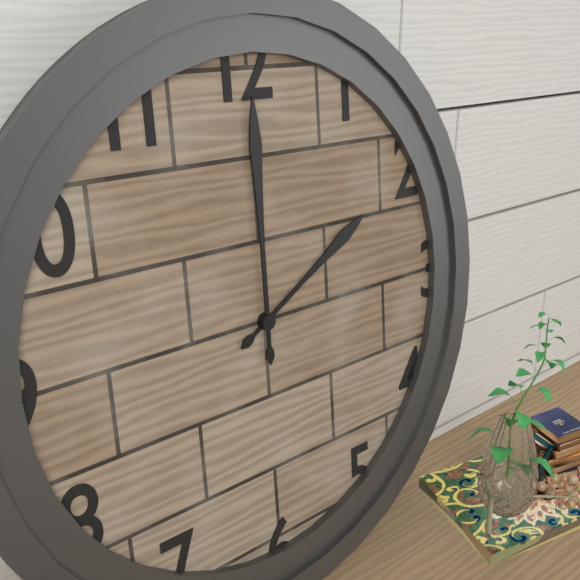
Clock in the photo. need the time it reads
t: 2:00
